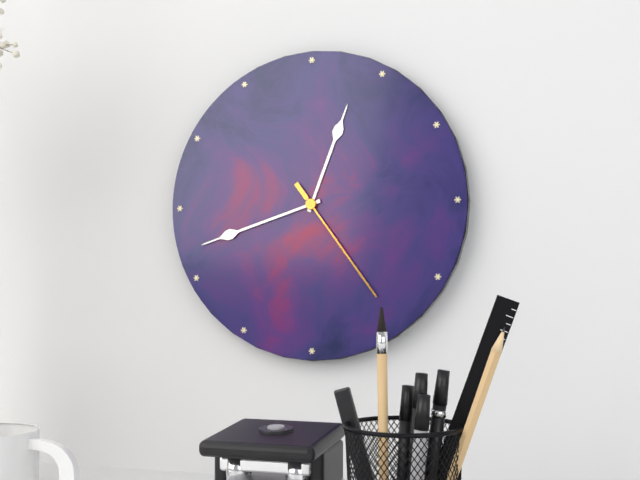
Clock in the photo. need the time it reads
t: 12:42:24
